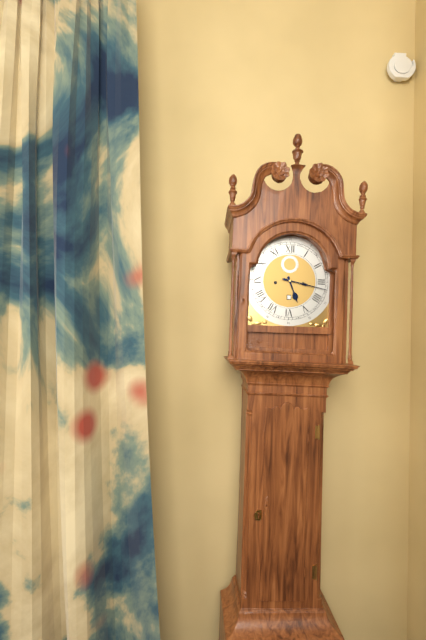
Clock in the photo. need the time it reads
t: 5:17
